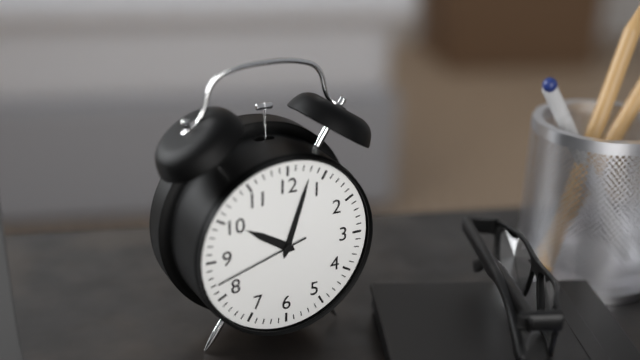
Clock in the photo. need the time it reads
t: 10:03:42
